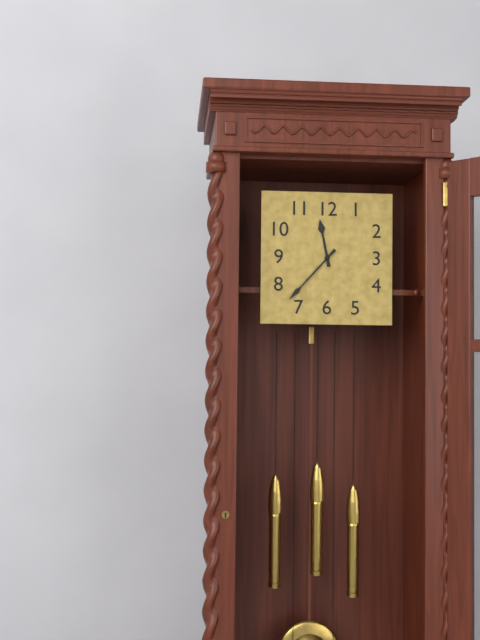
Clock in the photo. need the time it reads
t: 11:37
